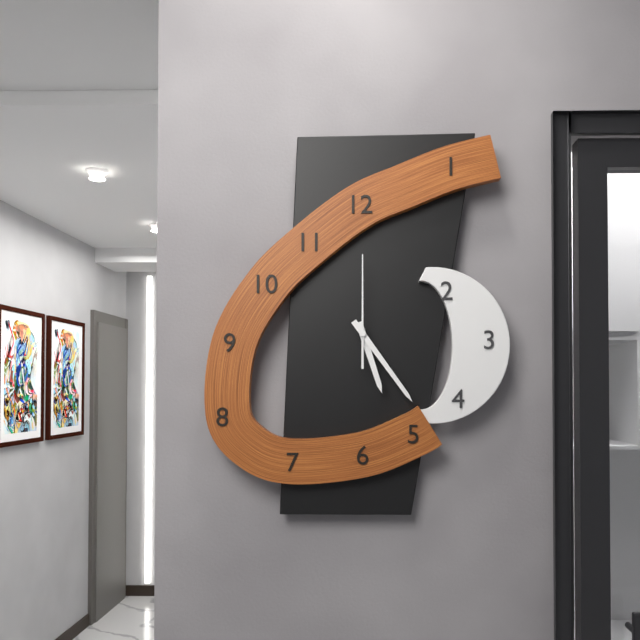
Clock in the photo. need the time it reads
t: 5:24:00
